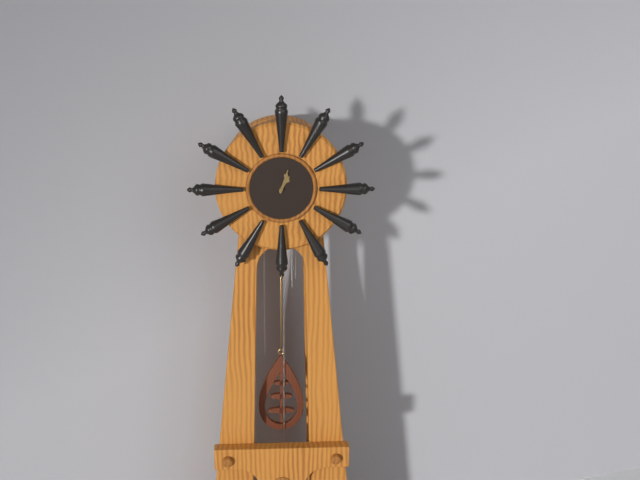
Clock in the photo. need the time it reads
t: 1:03
